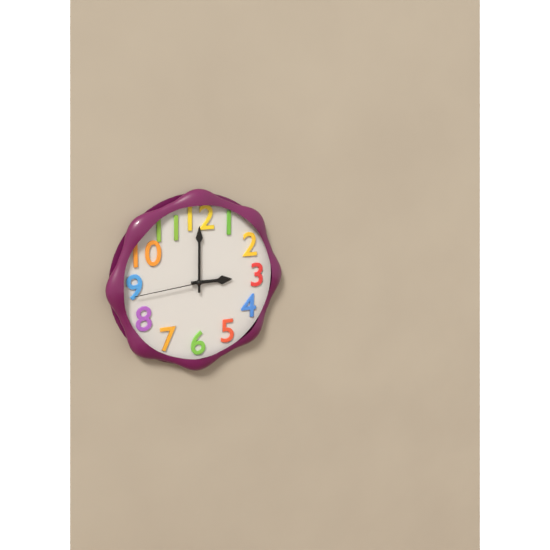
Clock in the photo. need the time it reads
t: 3:00:44
